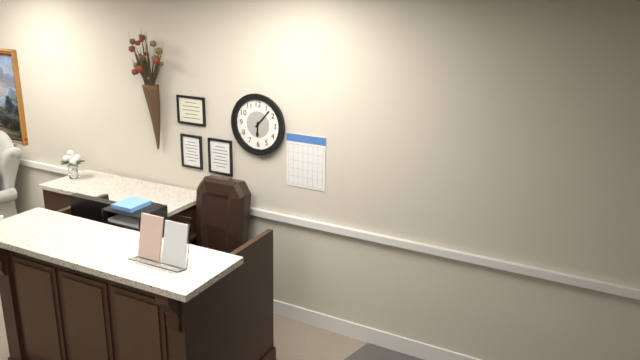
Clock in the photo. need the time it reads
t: 6:07
